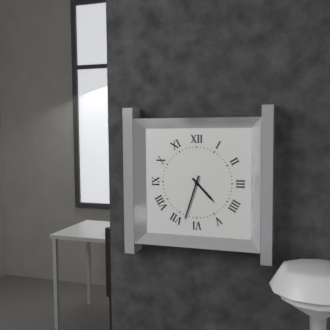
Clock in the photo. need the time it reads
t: 4:33
